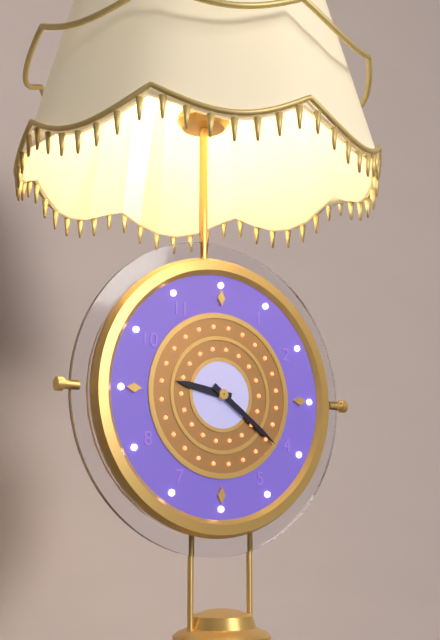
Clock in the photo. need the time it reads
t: 9:21
